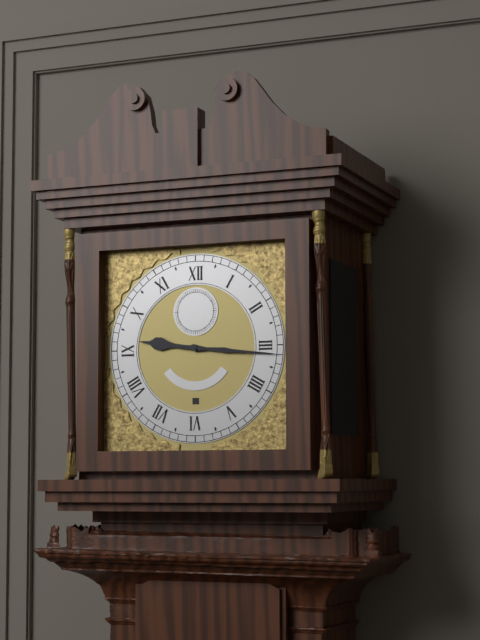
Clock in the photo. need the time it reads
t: 9:16
